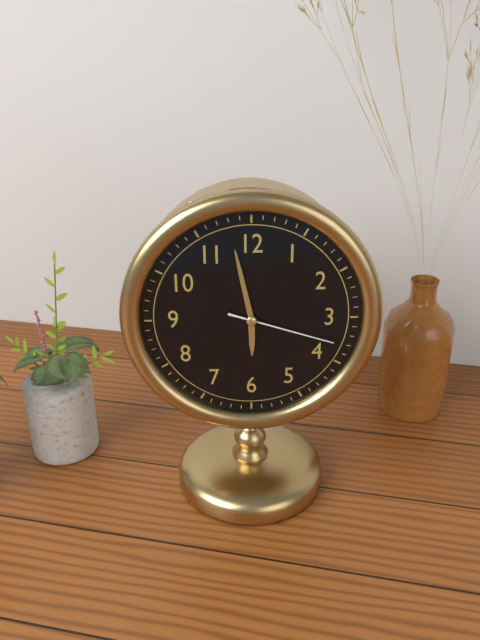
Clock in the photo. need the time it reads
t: 5:58:18
